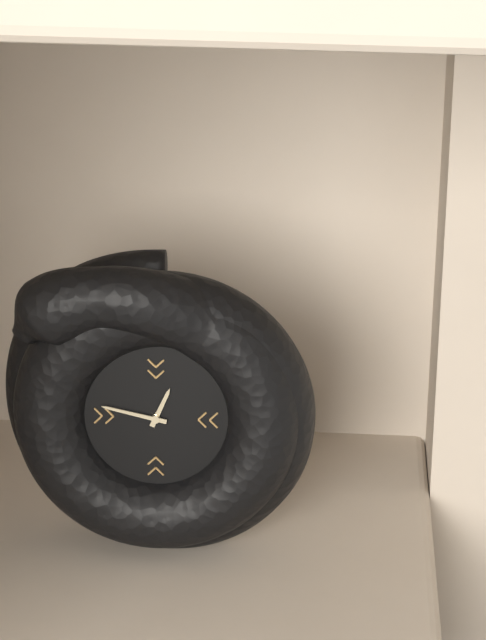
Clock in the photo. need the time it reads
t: 12:47
